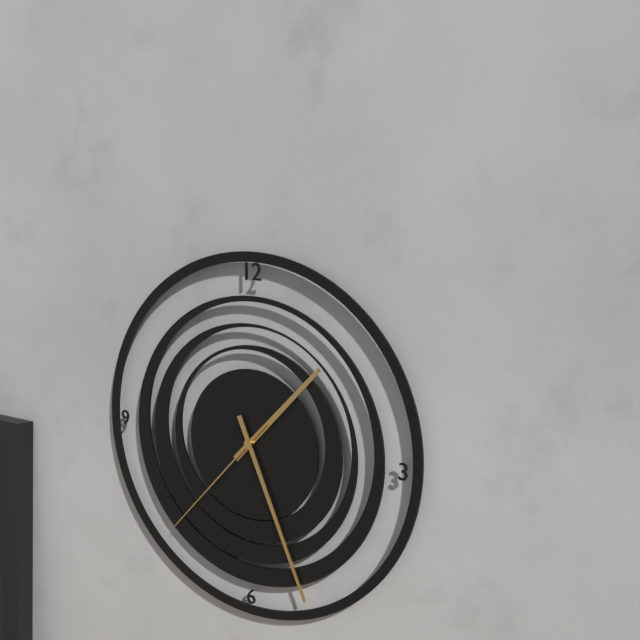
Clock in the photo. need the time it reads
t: 1:26:37
